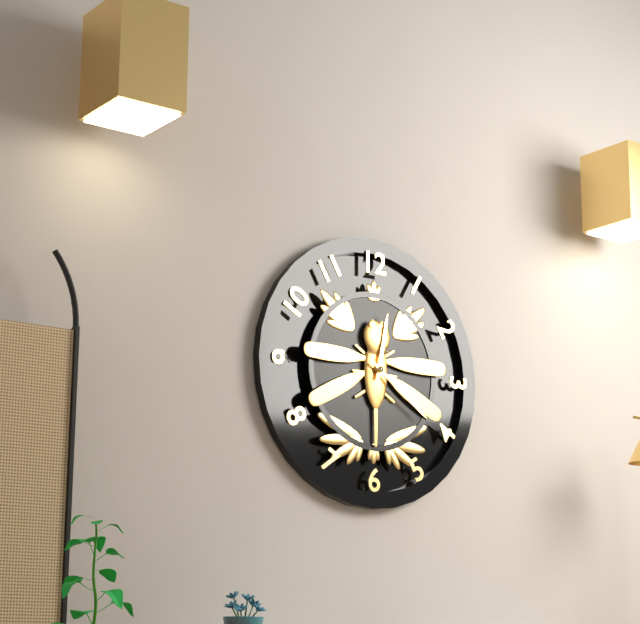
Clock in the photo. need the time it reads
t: 12:21
